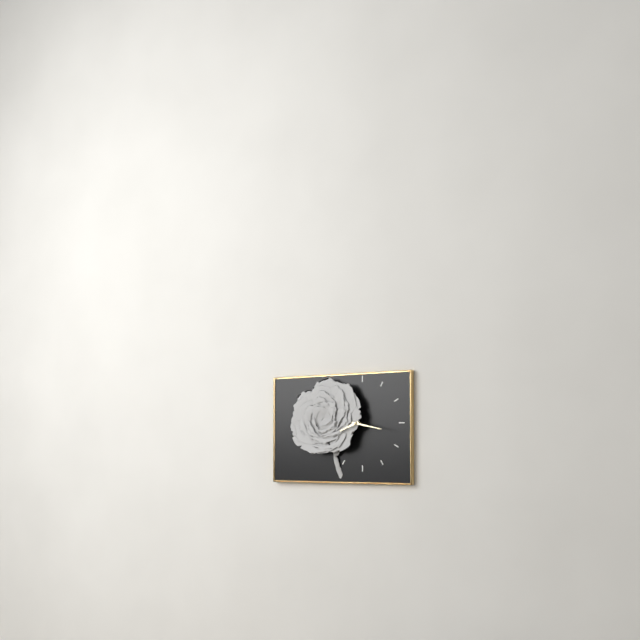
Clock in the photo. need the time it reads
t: 8:17
